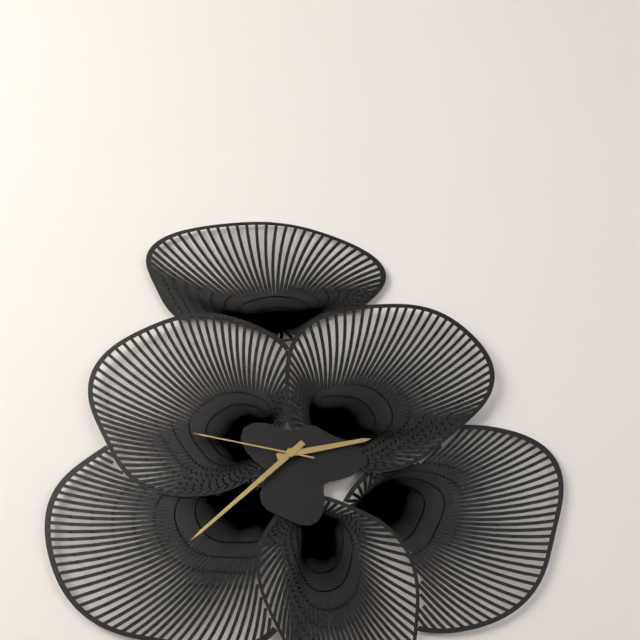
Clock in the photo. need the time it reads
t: 2:38:47
